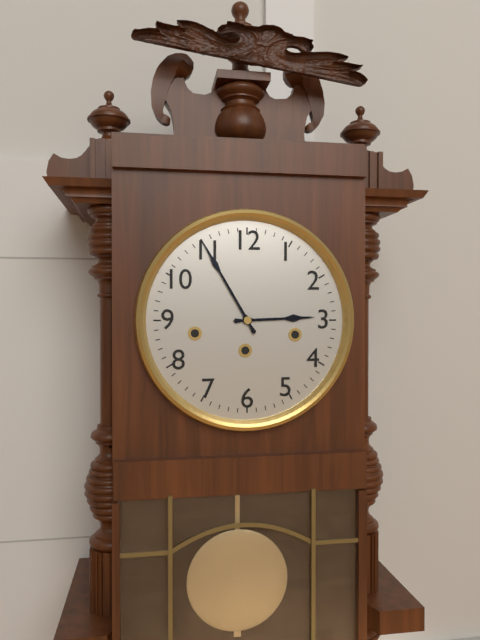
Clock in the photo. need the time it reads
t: 2:55
